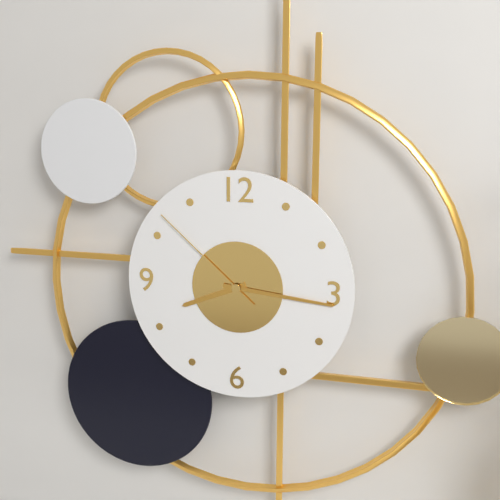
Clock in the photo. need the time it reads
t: 8:16:52
